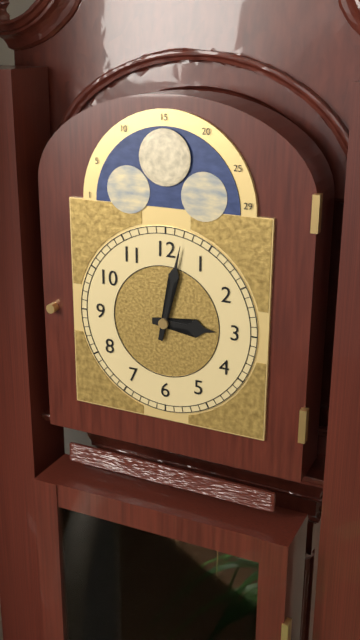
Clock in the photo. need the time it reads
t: 3:02
